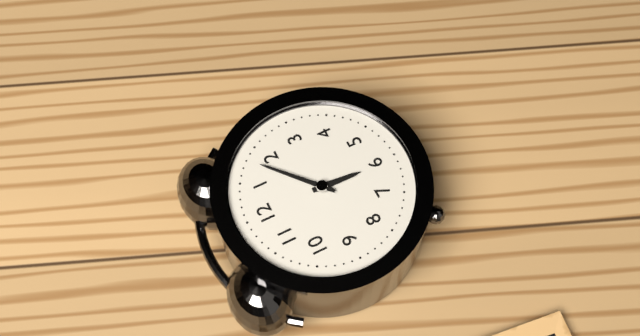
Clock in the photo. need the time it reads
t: 6:08
